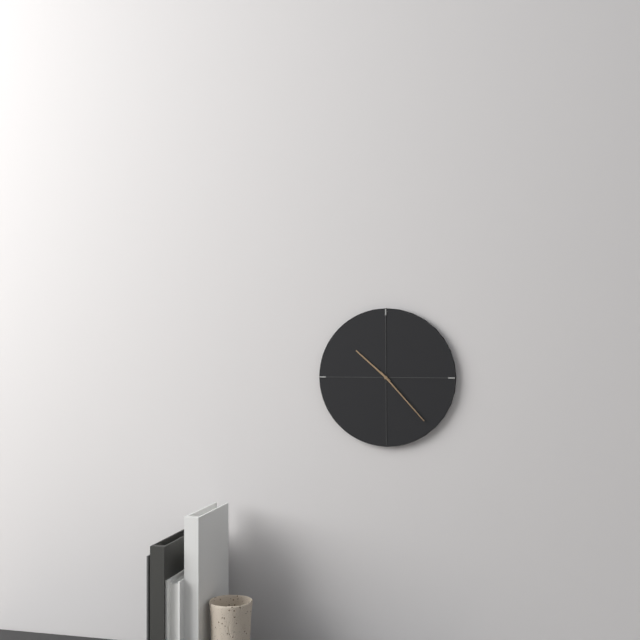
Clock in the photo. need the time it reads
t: 10:23
